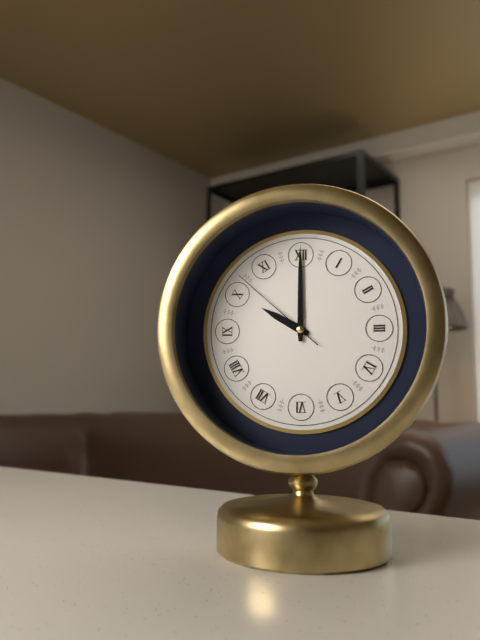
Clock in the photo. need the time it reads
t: 10:00:52
